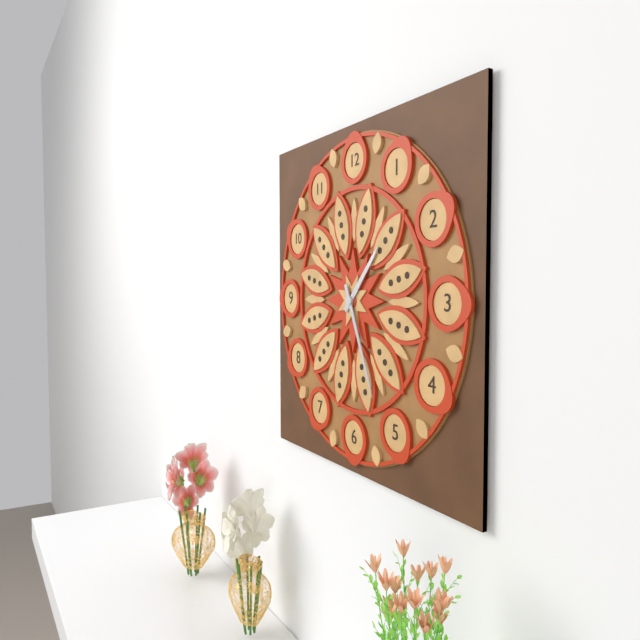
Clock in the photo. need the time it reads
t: 1:26
